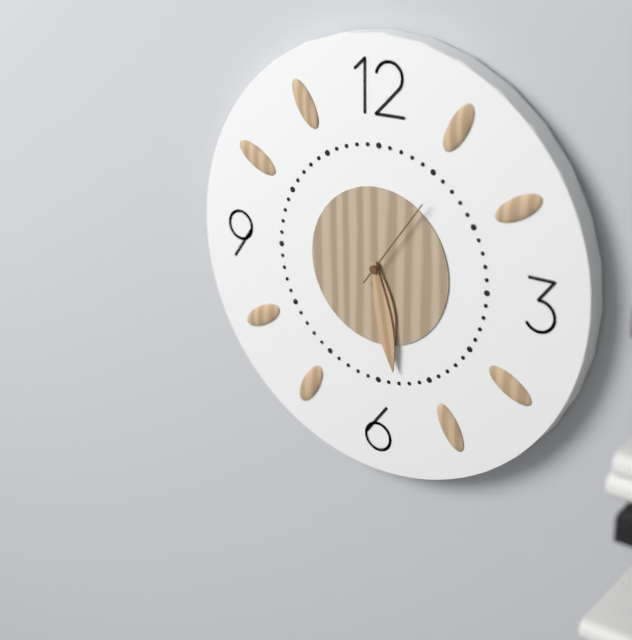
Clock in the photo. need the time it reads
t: 5:28:06
